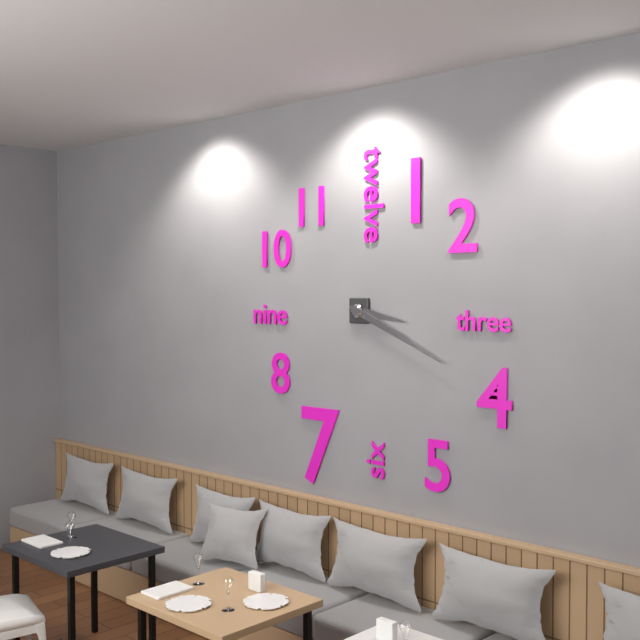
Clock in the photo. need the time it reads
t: 3:19
